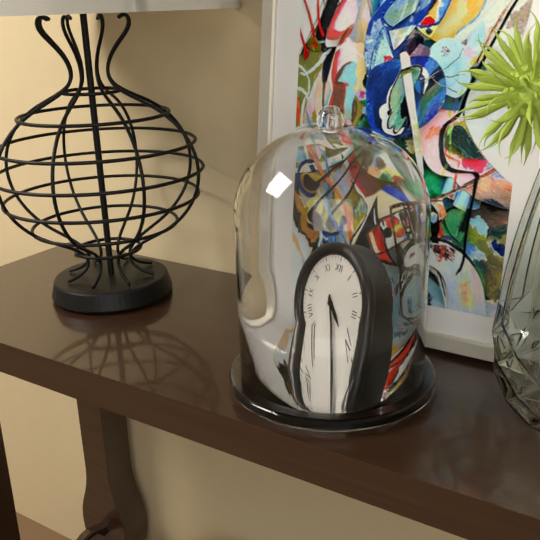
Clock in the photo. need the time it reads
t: 4:26
